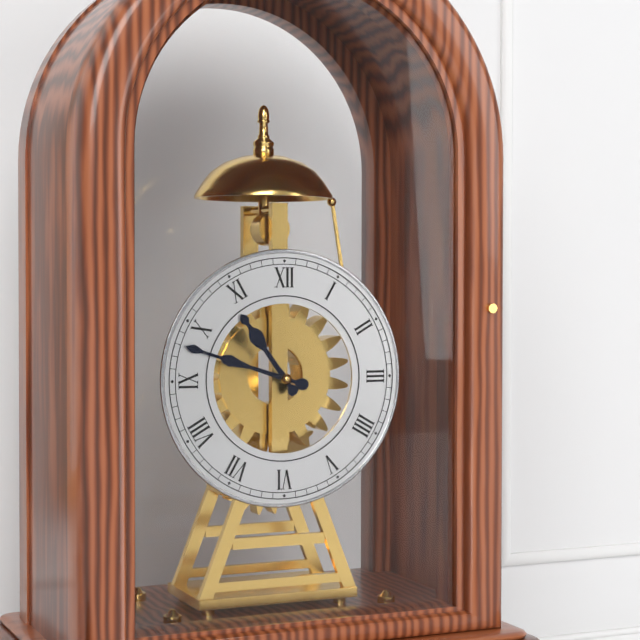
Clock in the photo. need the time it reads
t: 10:48
